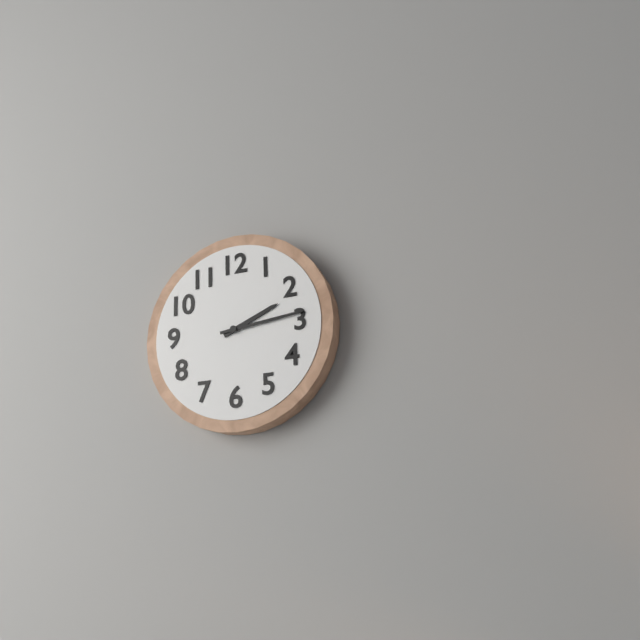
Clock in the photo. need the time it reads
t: 2:14
